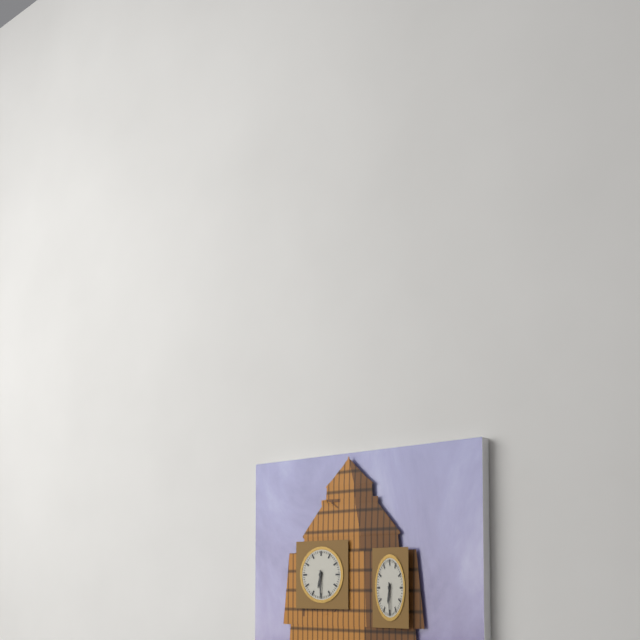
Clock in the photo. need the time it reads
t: 6:30
